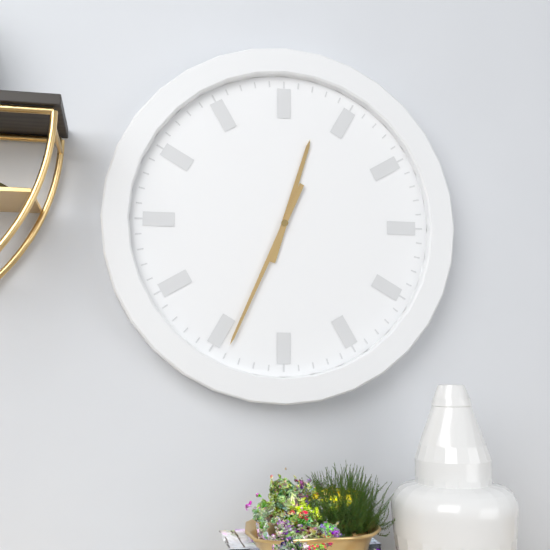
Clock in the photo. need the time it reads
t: 12:34
